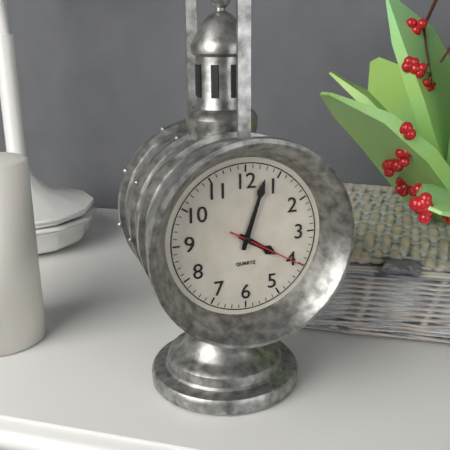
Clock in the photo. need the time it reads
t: 4:03:20
